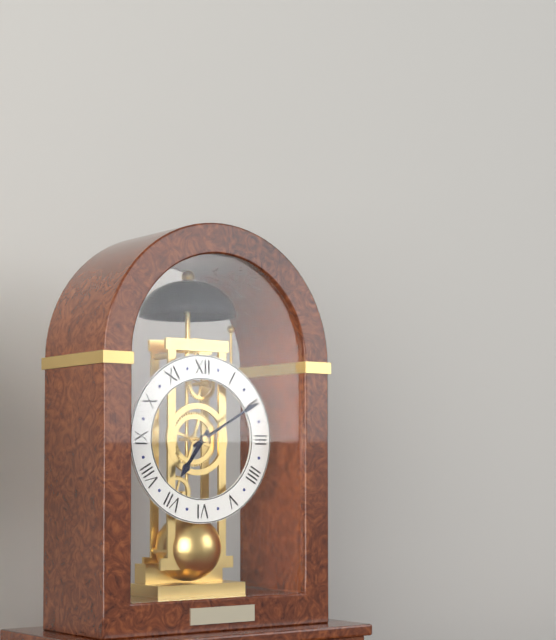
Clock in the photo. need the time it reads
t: 7:10
